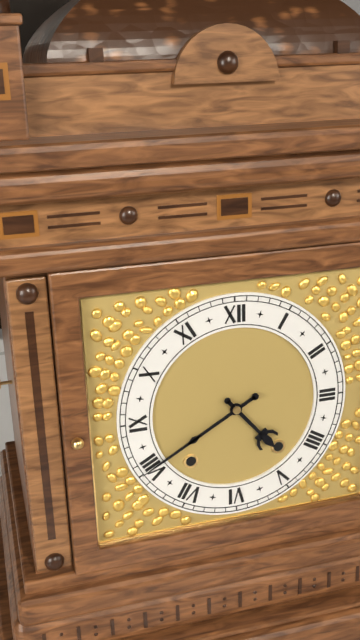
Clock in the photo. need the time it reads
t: 4:40
